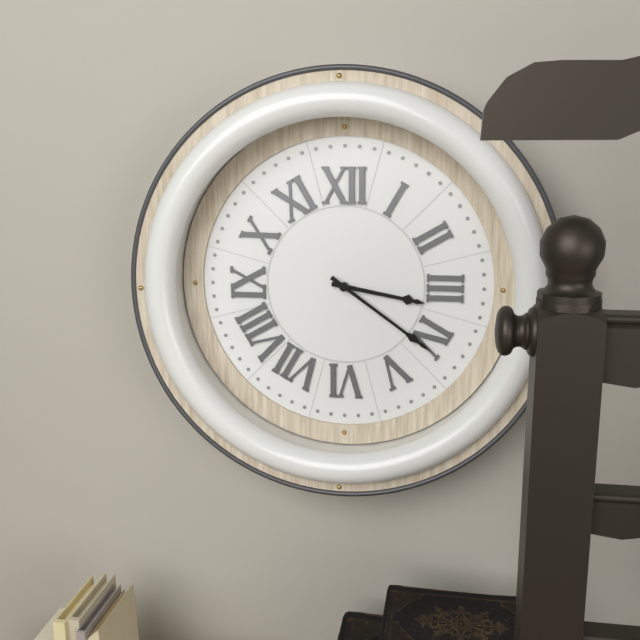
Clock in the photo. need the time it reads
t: 3:21
